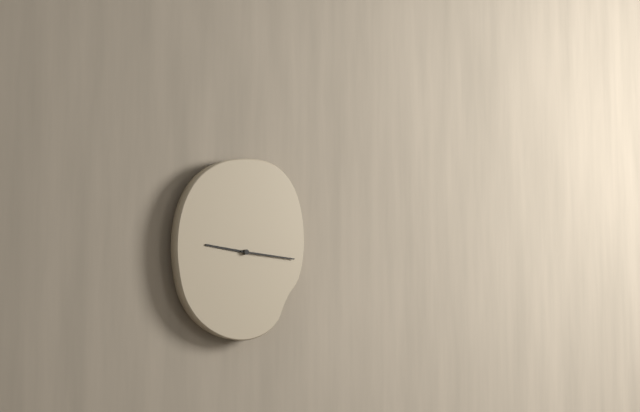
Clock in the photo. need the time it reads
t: 9:16
